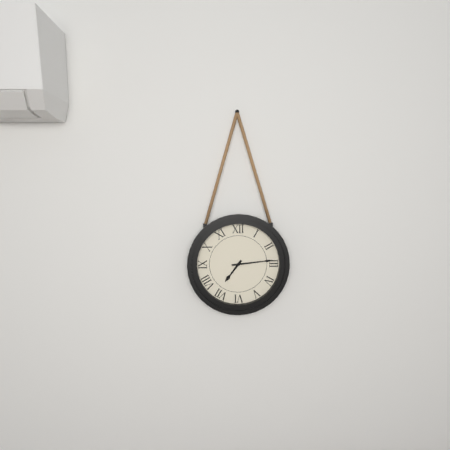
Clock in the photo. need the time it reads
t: 7:14
